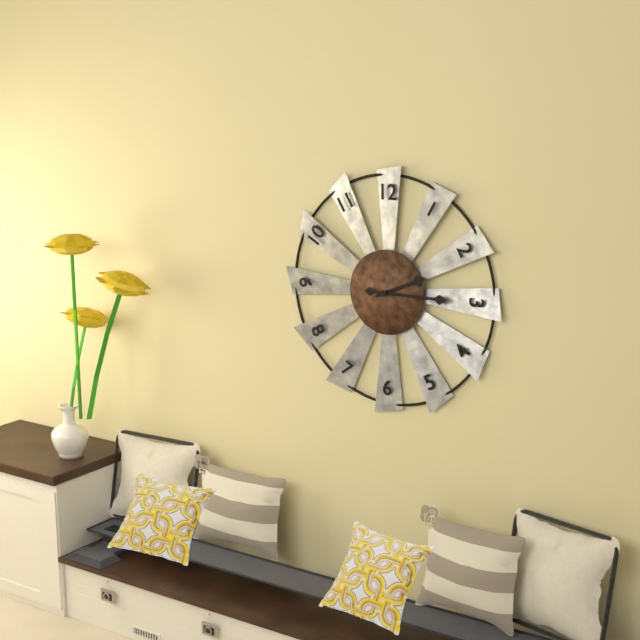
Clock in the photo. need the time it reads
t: 2:15
